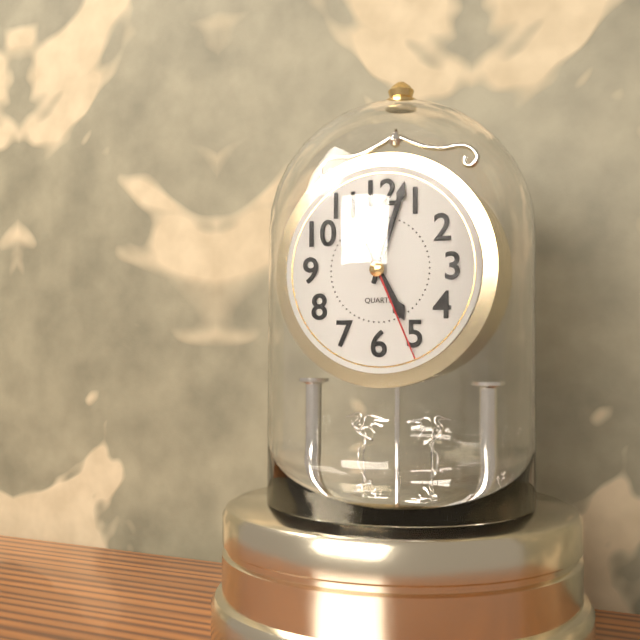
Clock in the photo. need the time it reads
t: 5:03:26
